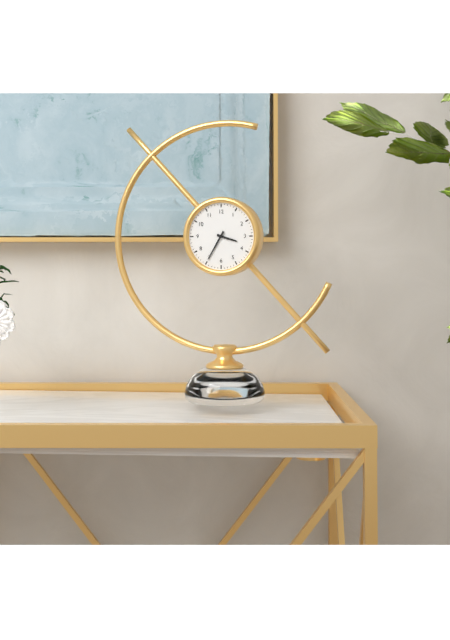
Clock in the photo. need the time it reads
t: 3:35
